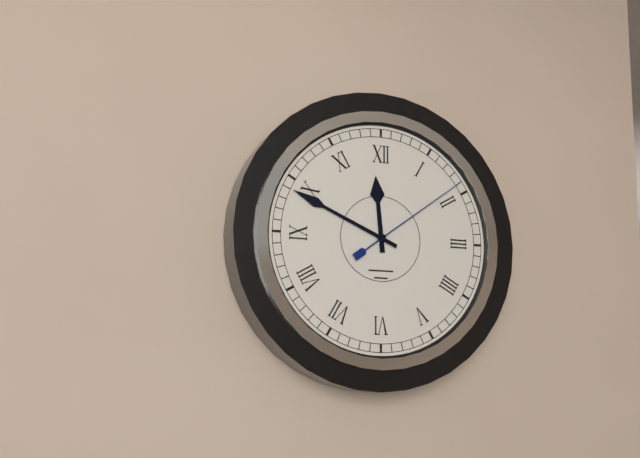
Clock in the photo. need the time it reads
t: 11:49:09
